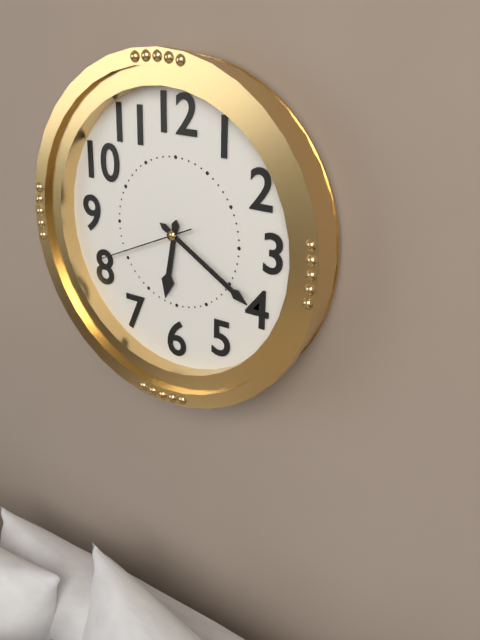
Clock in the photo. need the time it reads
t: 6:20:41
